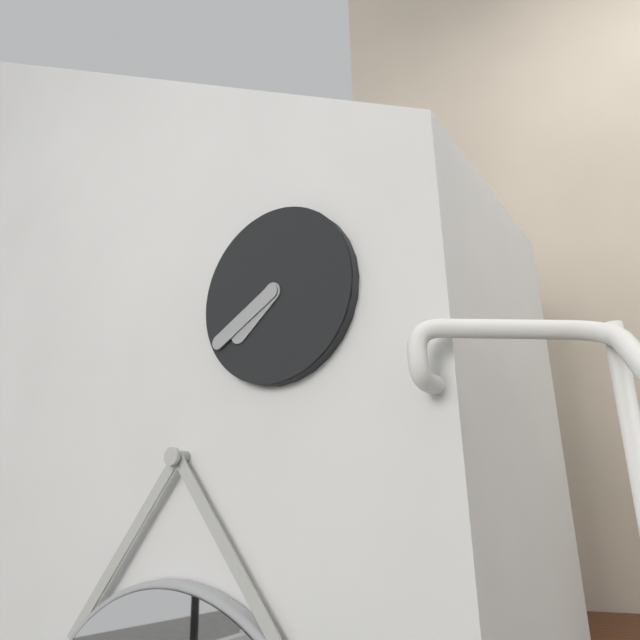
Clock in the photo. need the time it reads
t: 7:40
